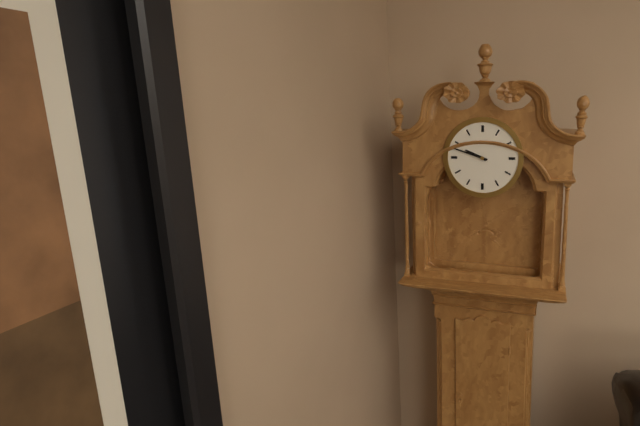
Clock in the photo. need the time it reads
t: 9:48
